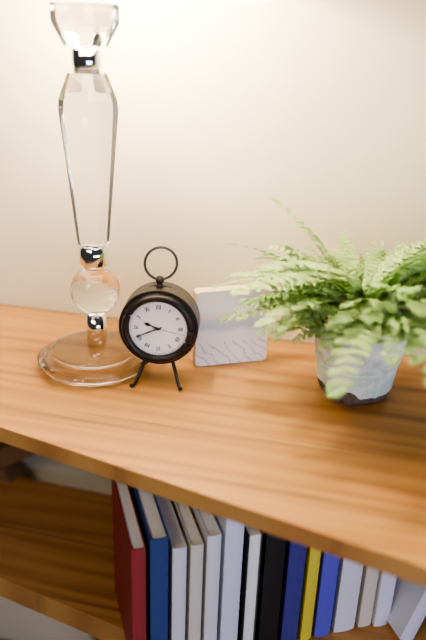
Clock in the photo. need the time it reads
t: 9:41
